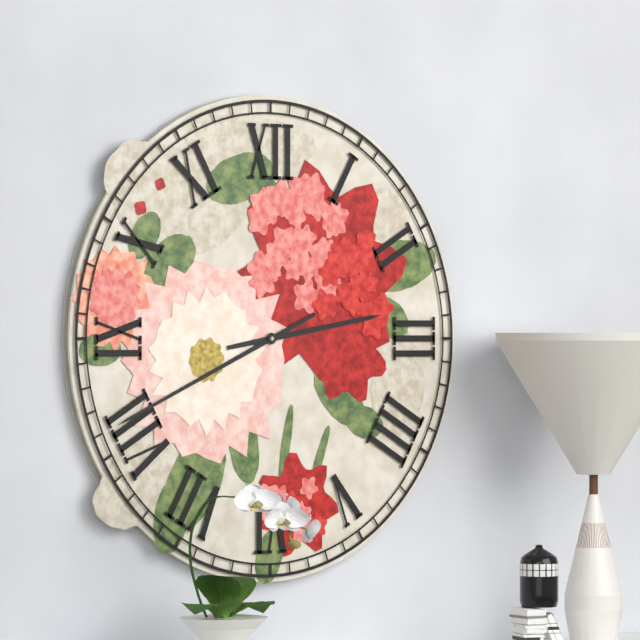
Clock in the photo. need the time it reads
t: 2:41
